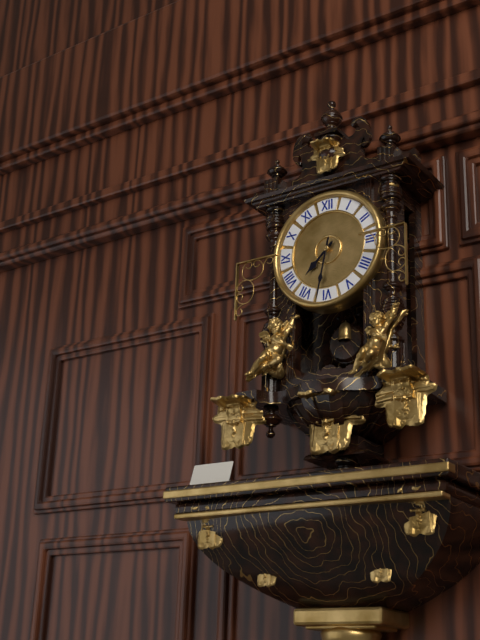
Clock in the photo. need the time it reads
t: 7:32
